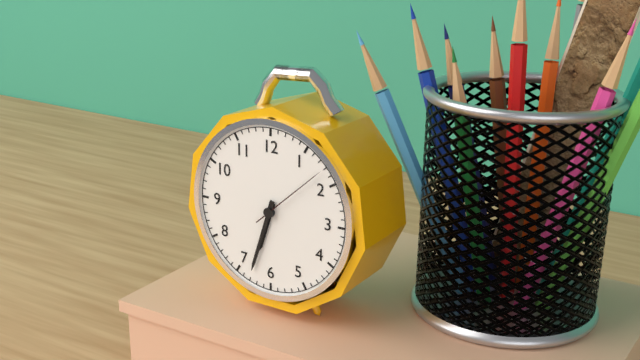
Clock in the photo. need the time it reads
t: 6:33:08
